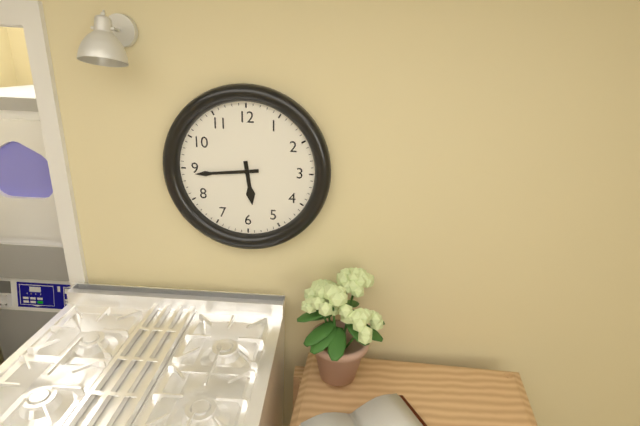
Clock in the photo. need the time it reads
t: 5:44
